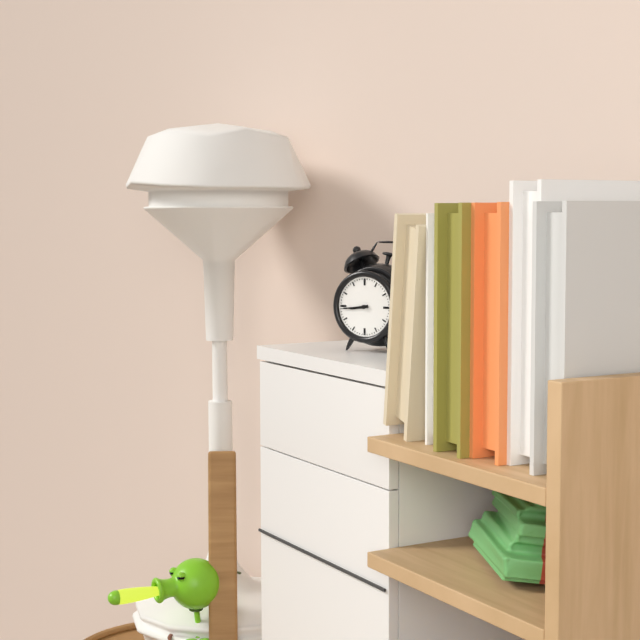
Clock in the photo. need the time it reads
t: 8:44
